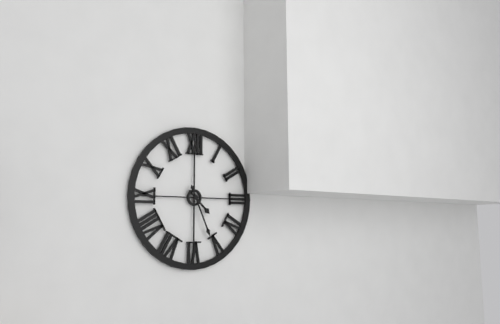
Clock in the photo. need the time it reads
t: 4:26
